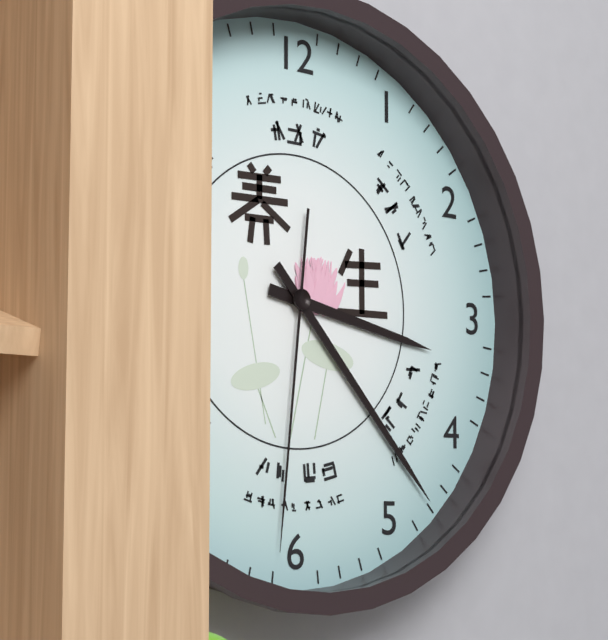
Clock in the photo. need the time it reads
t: 3:23:31
